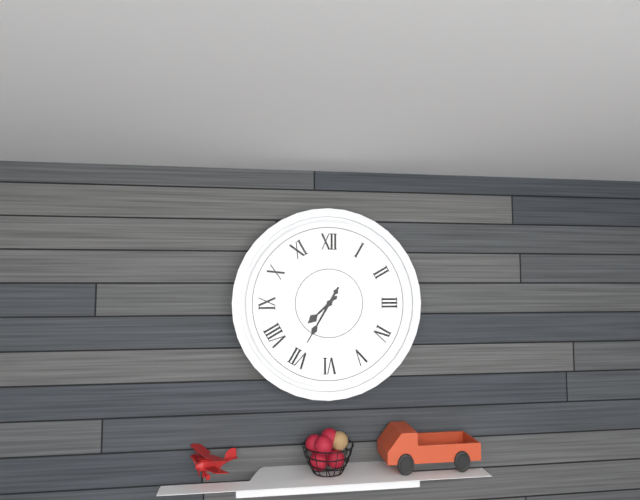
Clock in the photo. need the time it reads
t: 7:35
